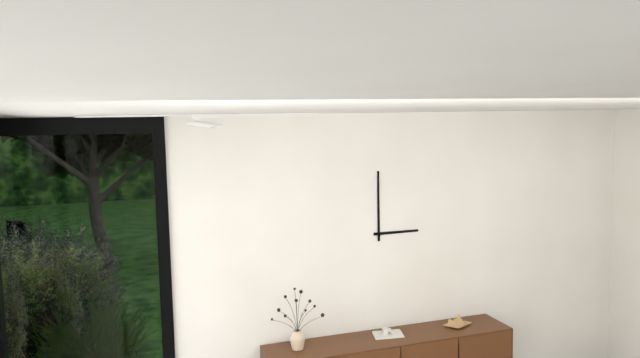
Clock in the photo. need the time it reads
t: 3:00
